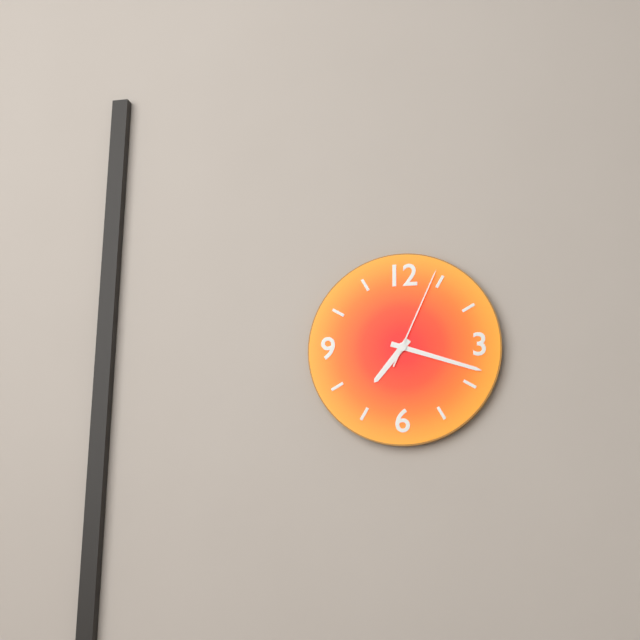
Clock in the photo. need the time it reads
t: 7:18:04
